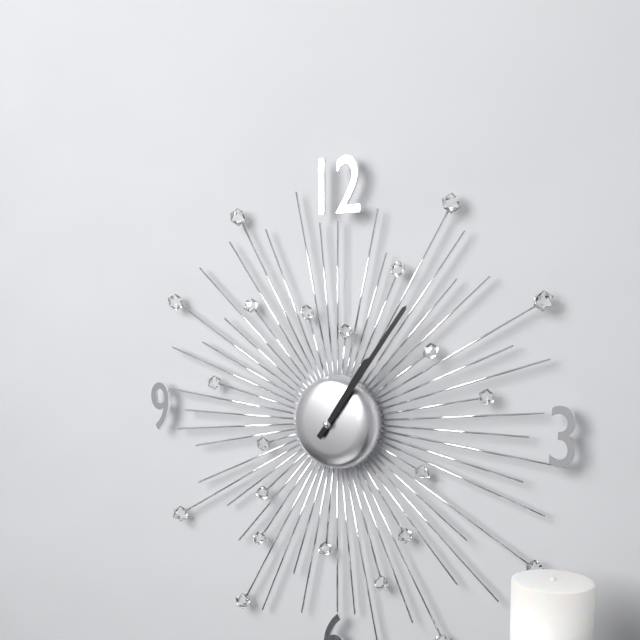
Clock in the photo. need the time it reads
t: 1:06
